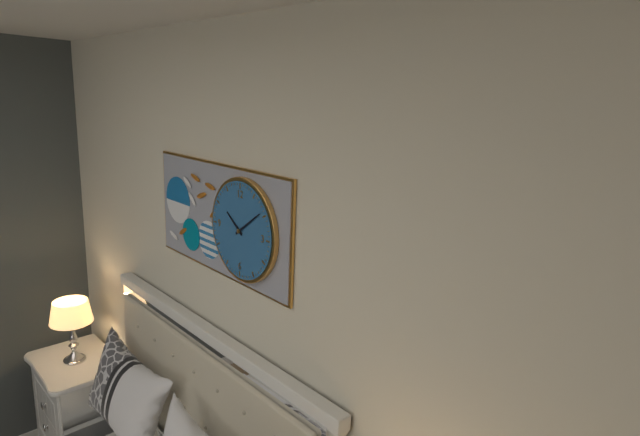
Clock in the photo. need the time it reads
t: 10:09
